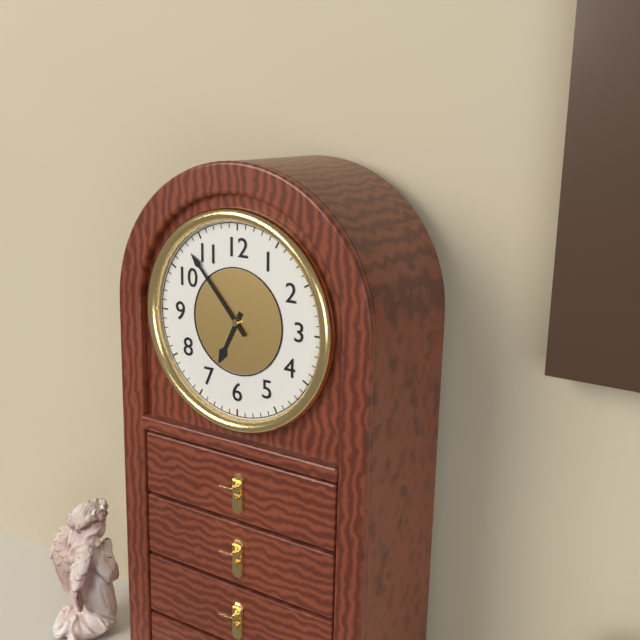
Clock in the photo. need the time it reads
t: 6:53
